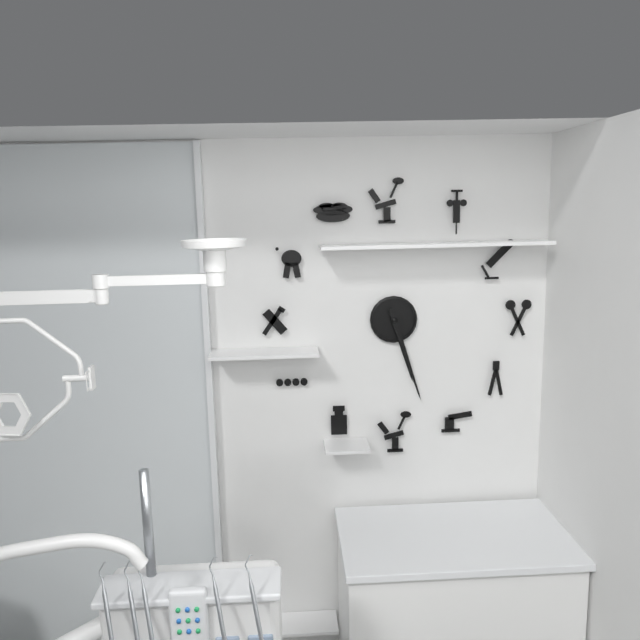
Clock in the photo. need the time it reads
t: 5:27
